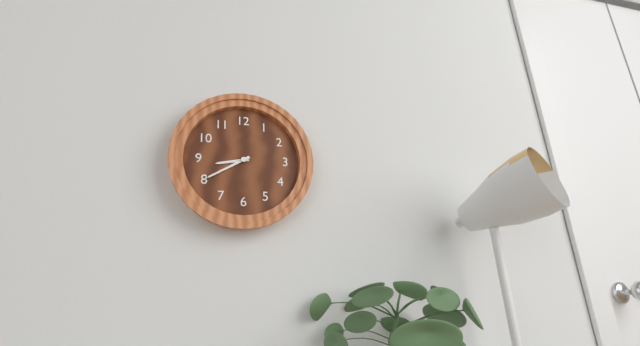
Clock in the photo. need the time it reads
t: 8:40
